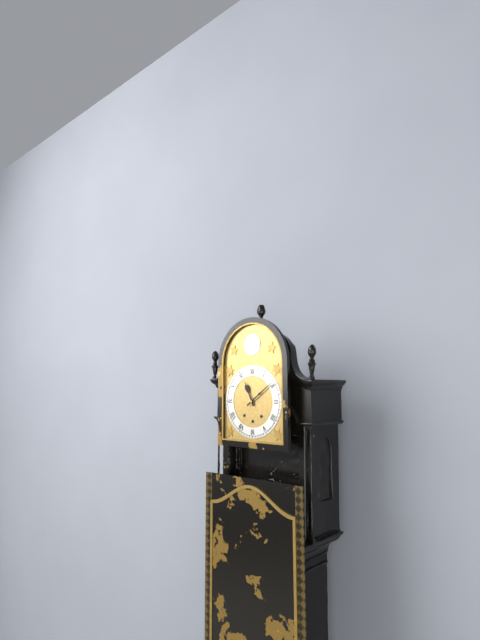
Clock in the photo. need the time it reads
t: 11:09
